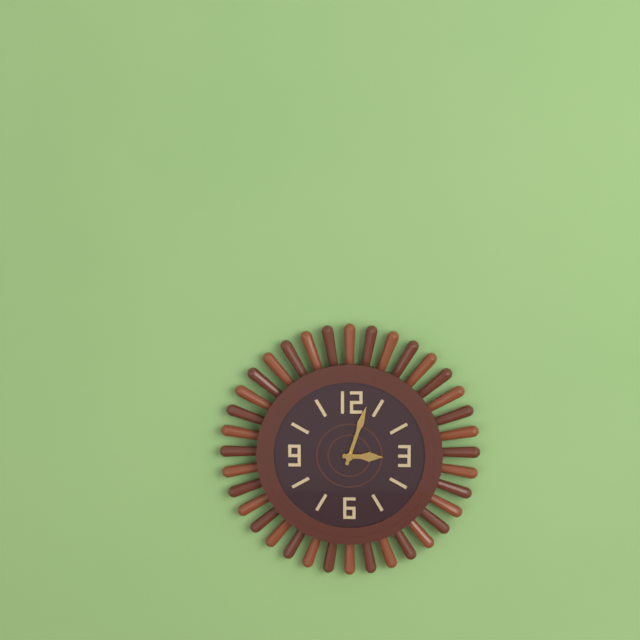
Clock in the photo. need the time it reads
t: 3:03
